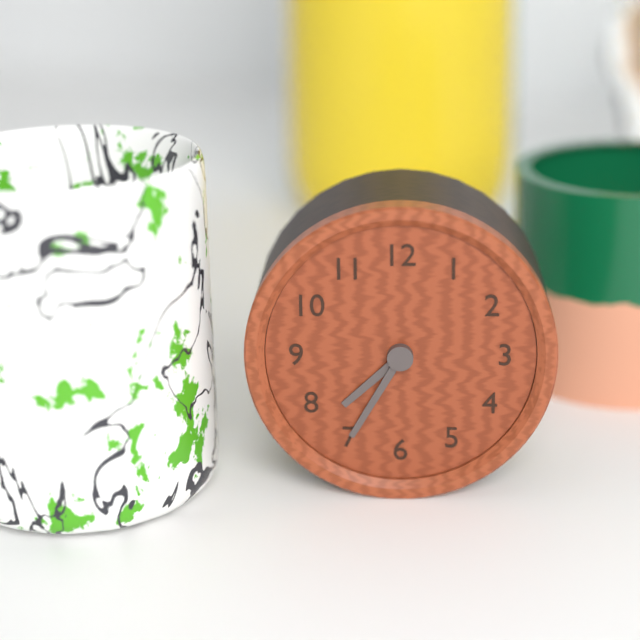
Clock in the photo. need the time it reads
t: 7:35
